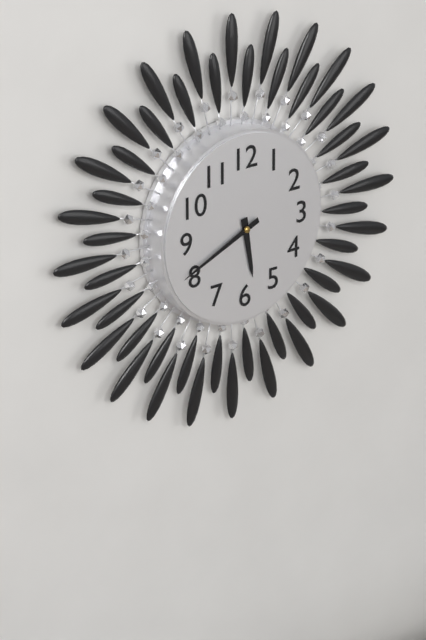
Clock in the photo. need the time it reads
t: 5:41
